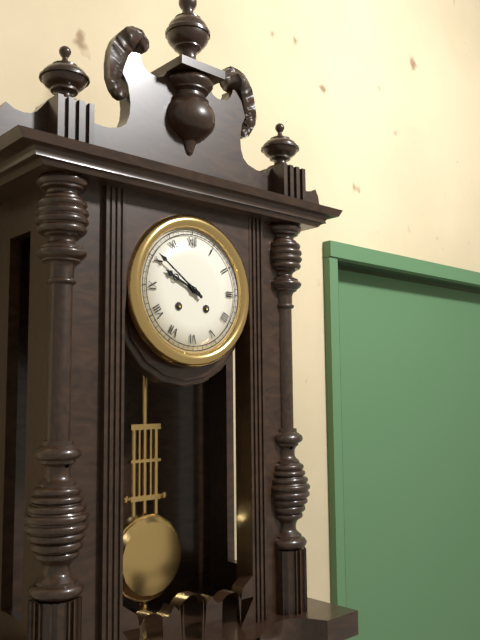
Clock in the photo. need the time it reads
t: 9:51
